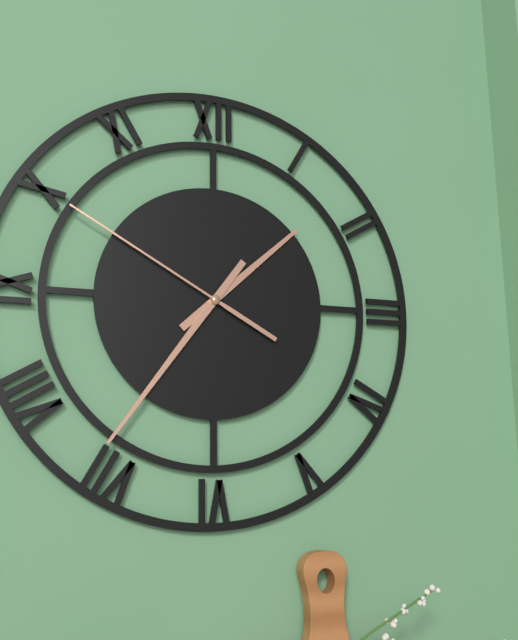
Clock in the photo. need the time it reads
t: 1:36:50
